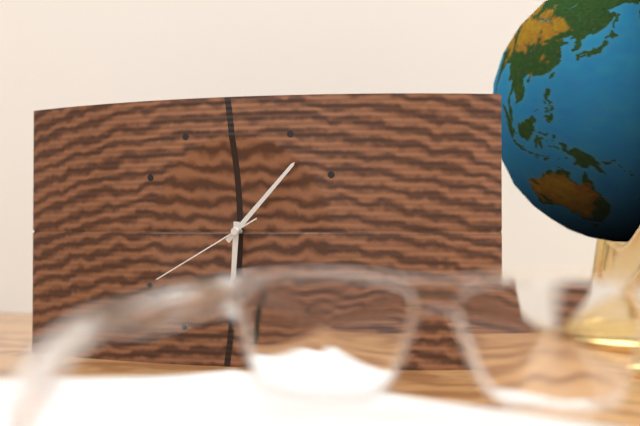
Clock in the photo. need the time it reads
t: 6:07:40
